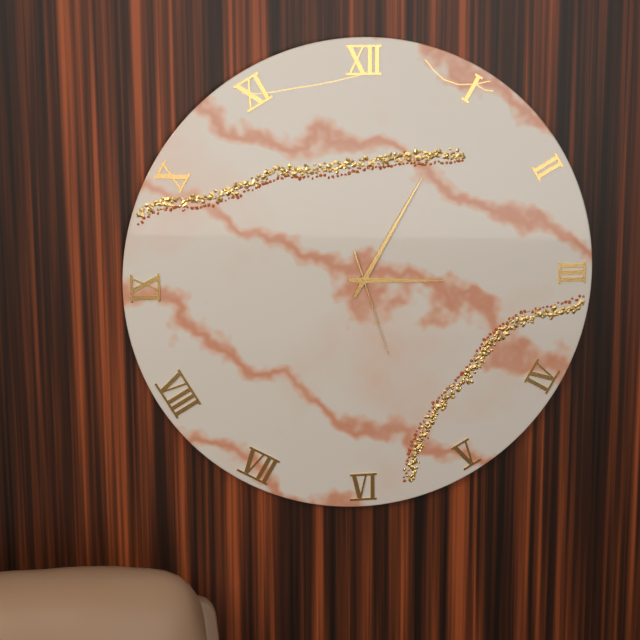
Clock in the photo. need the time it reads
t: 3:05:27
